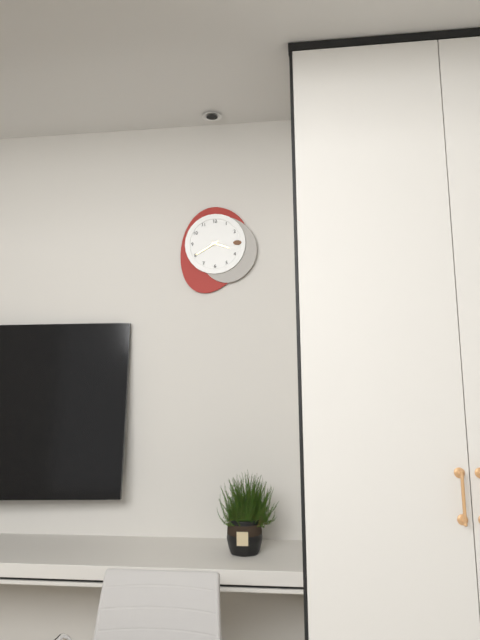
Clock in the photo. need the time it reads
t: 3:40
